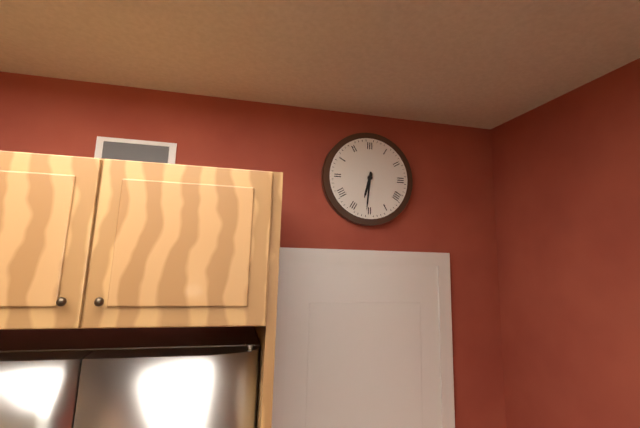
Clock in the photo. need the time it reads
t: 6:31
